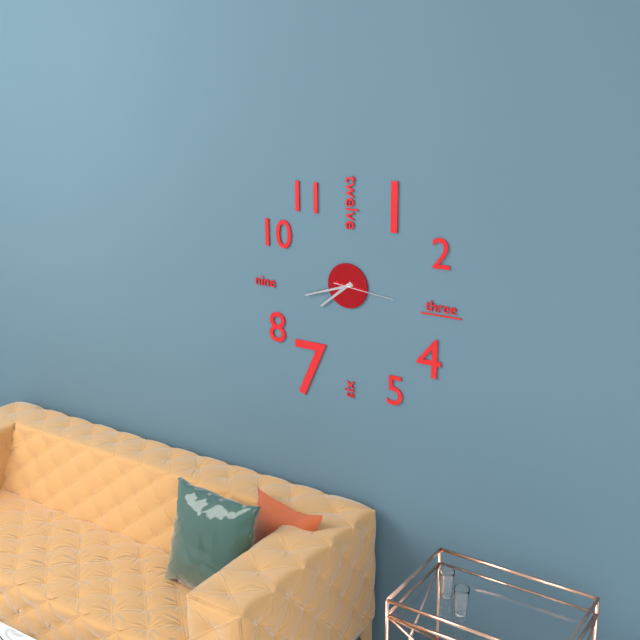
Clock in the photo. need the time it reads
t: 7:42:16
